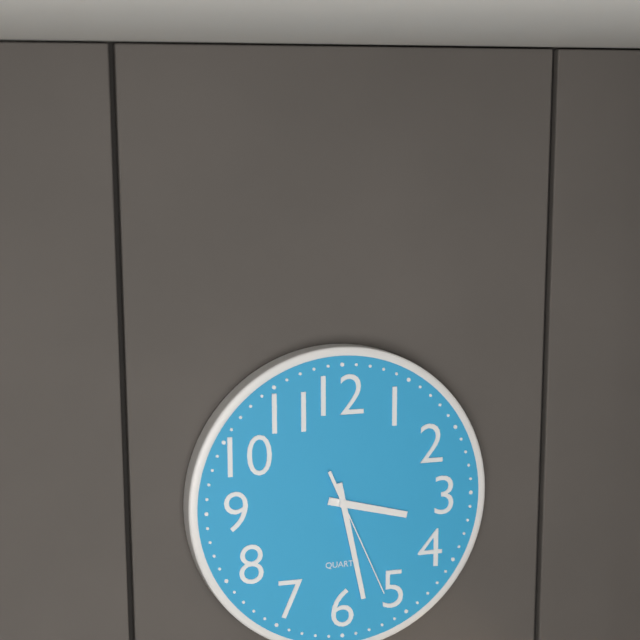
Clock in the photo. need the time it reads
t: 3:28:26
